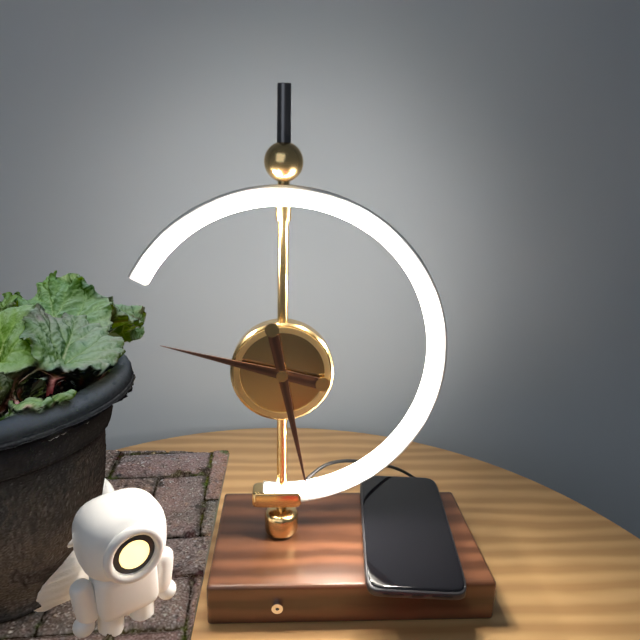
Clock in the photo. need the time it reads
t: 9:28
